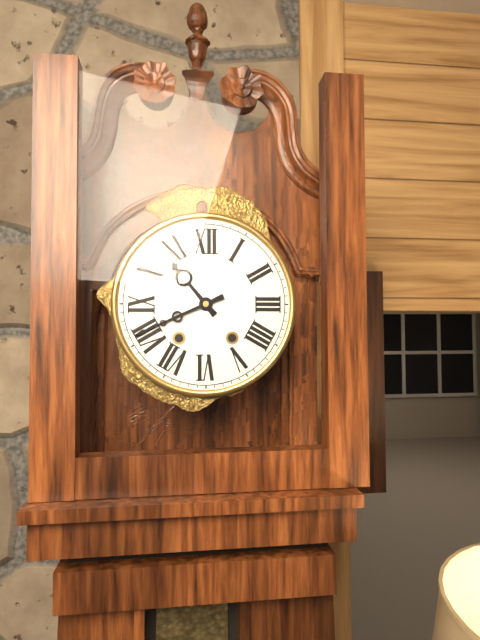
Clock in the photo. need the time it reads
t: 10:41
